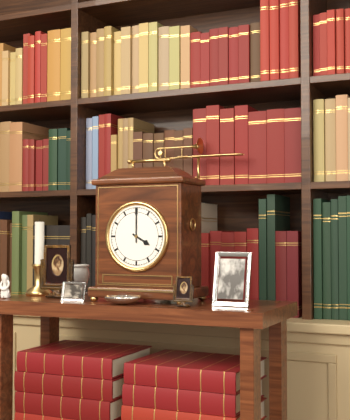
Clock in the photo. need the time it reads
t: 4:00
